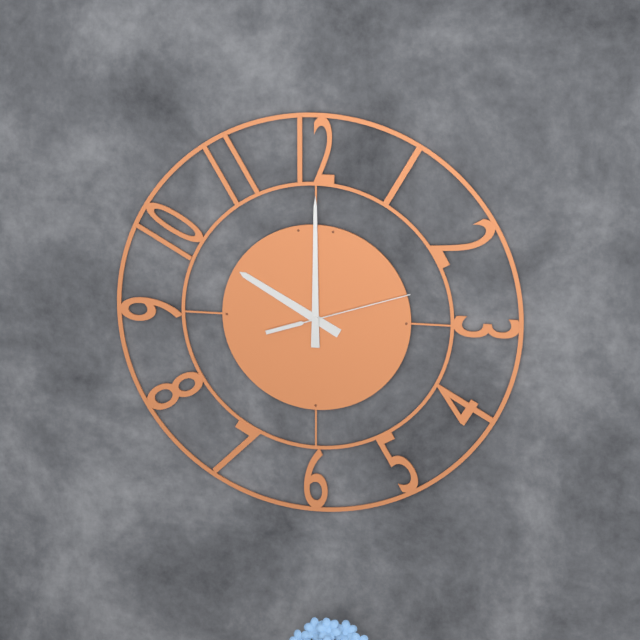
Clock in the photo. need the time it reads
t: 10:00:12
